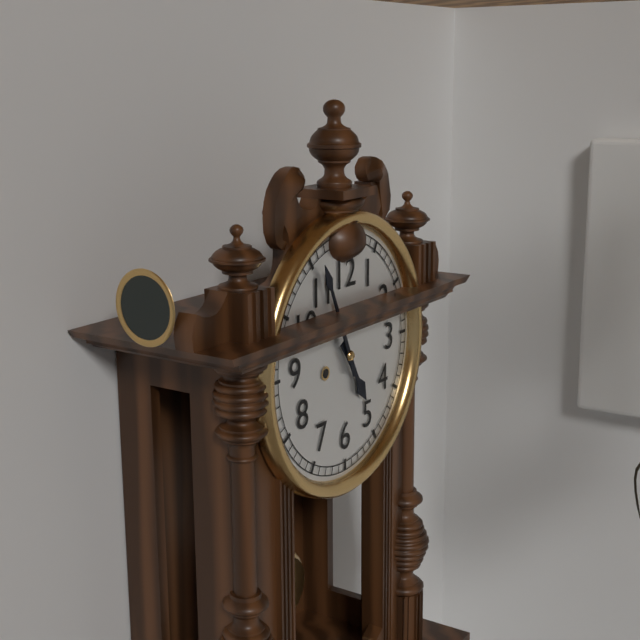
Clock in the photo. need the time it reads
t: 4:56
